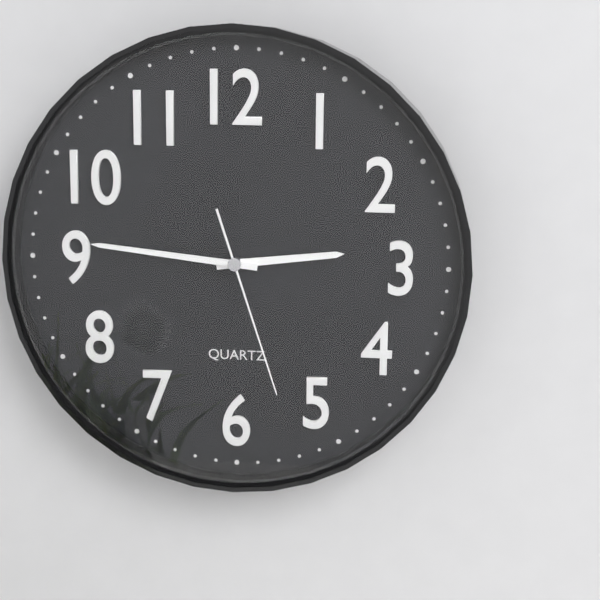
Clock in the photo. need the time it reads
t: 2:46:27
